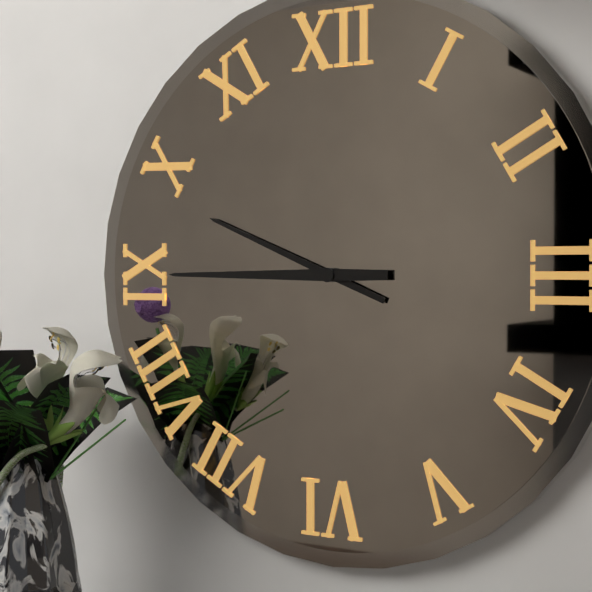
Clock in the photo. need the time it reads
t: 9:45
